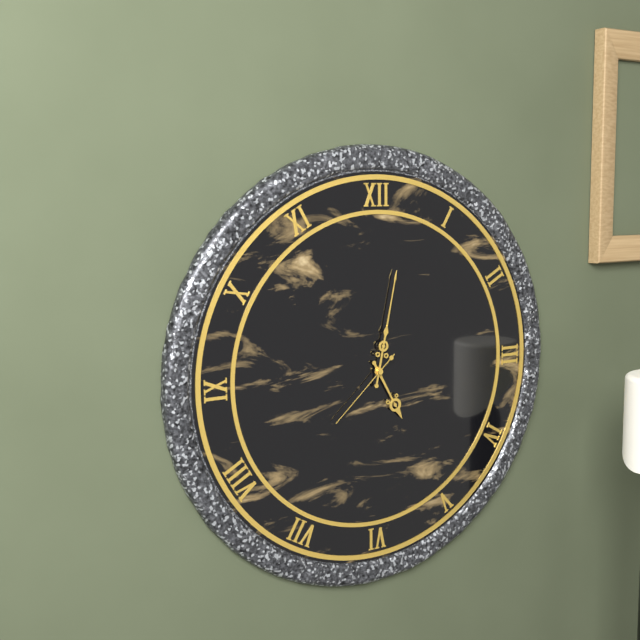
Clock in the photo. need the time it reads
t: 5:02:38
